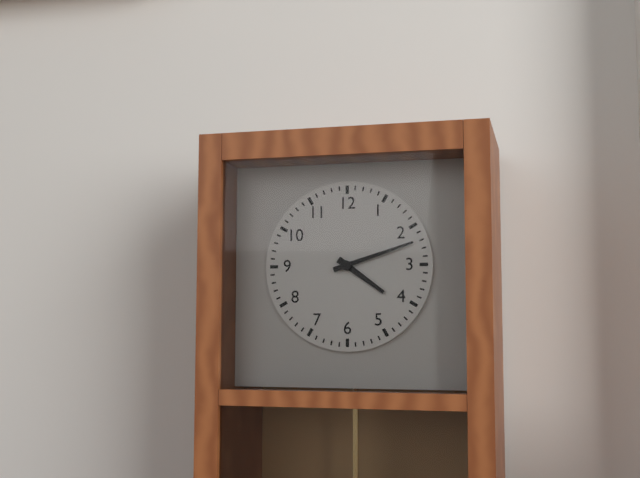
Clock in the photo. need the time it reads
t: 4:12
